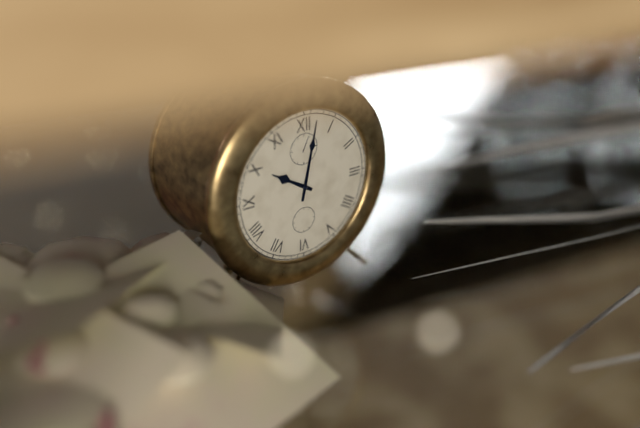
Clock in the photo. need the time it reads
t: 10:02
